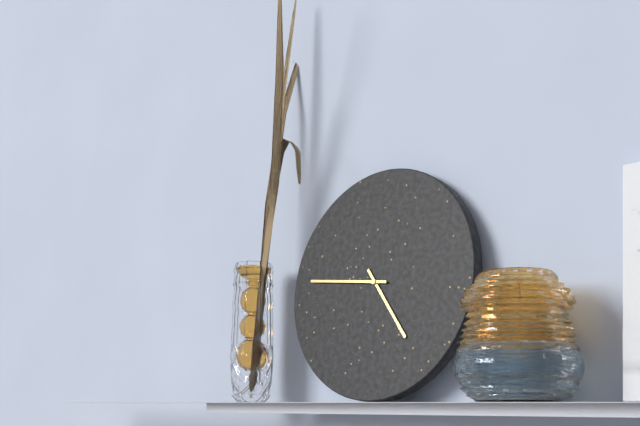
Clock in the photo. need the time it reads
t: 4:46
